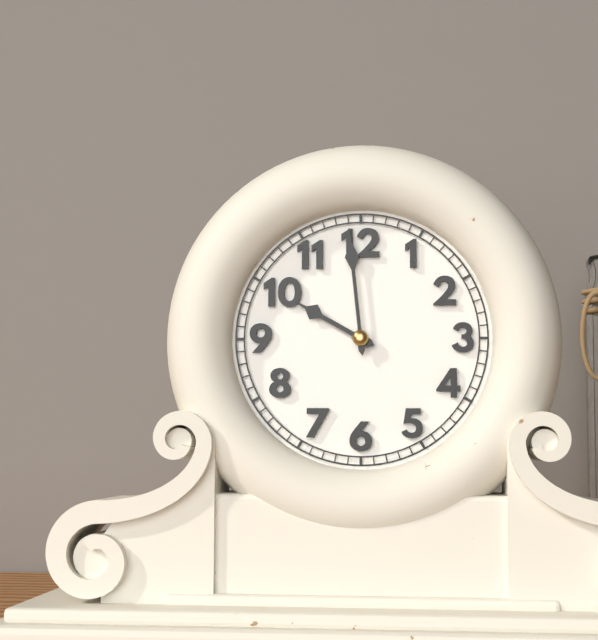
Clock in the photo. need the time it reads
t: 9:59
